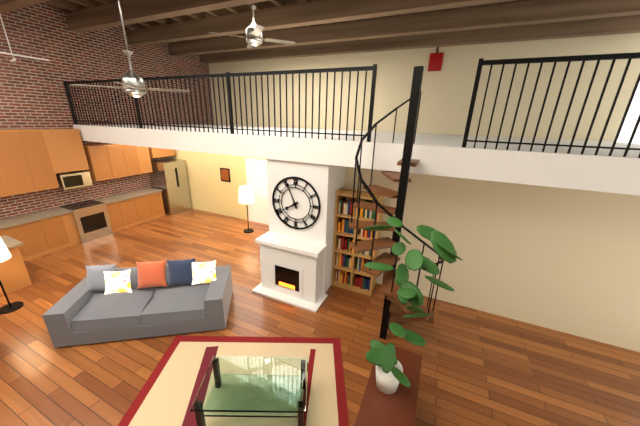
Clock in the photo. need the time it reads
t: 7:56
